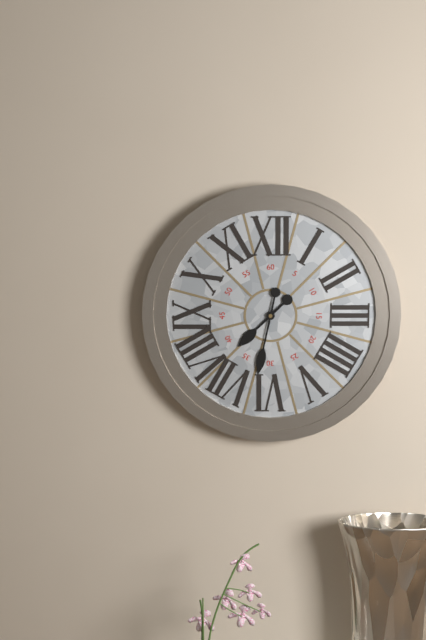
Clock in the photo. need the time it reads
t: 7:32
